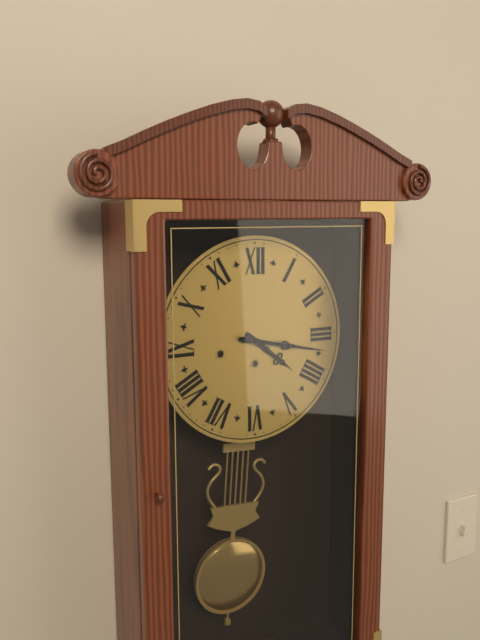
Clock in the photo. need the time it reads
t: 4:17
